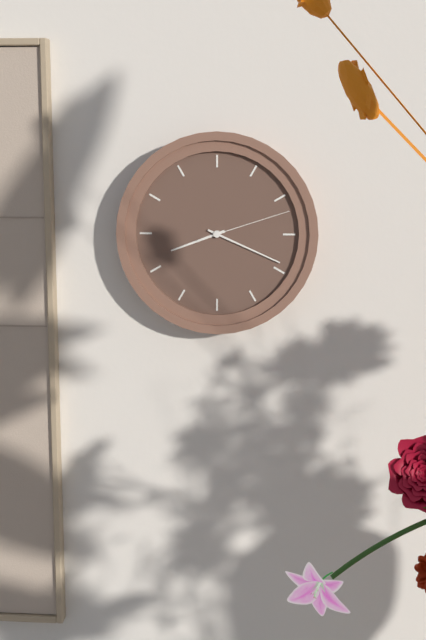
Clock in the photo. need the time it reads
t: 8:19:12
